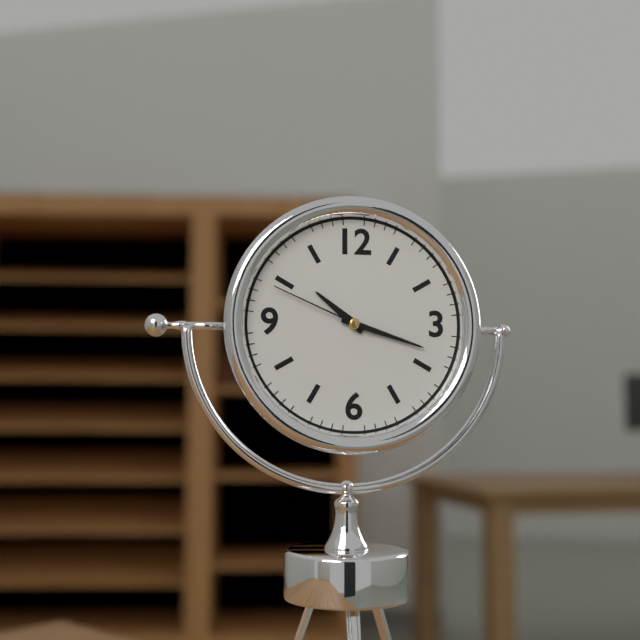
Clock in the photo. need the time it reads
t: 10:18:49
